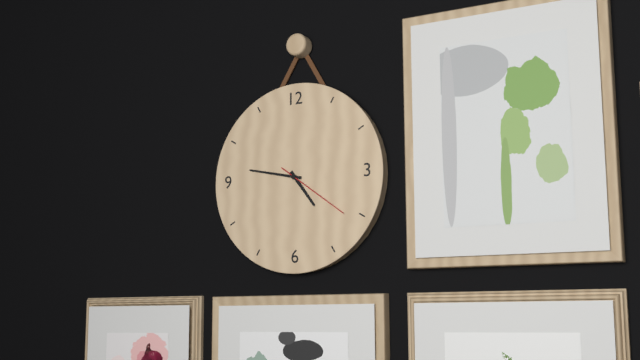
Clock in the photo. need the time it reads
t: 4:47:21
